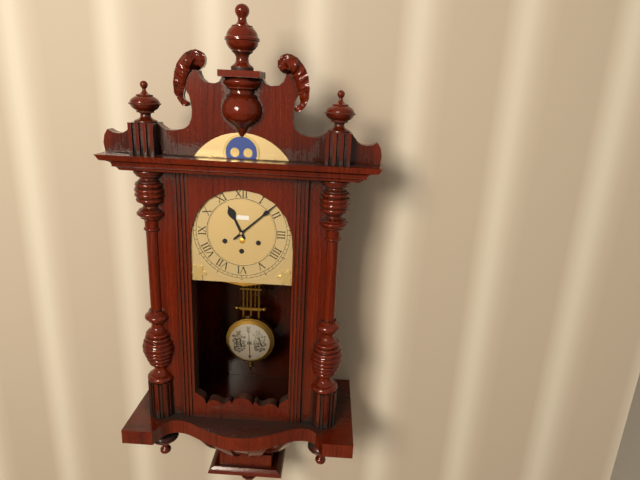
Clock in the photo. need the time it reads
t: 11:08
